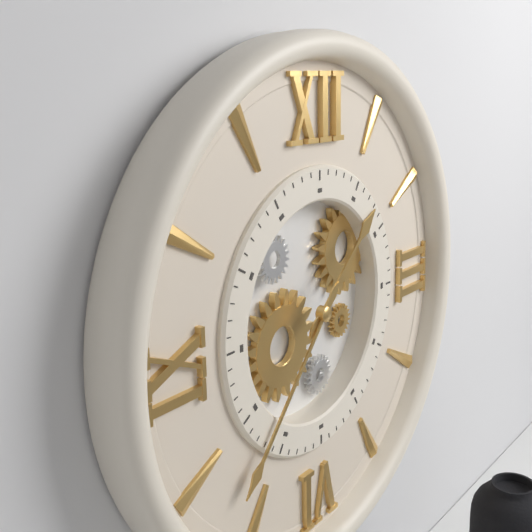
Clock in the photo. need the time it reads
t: 1:37
